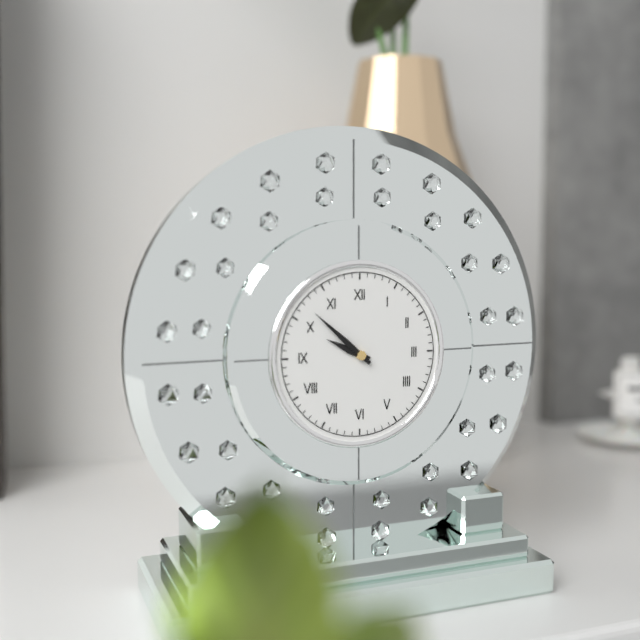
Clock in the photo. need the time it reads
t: 9:52
